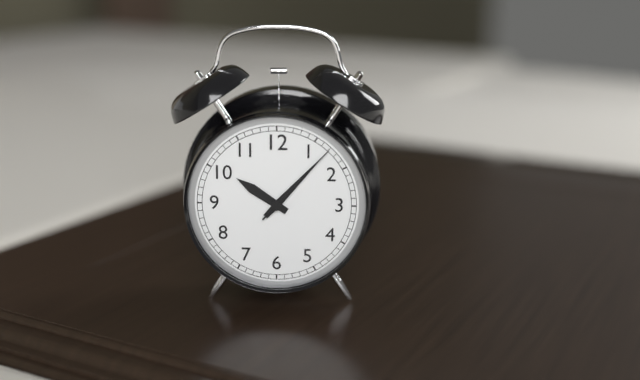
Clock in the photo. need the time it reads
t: 10:07:07
